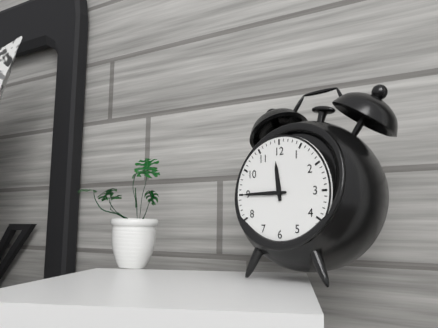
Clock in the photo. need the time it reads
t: 11:45
